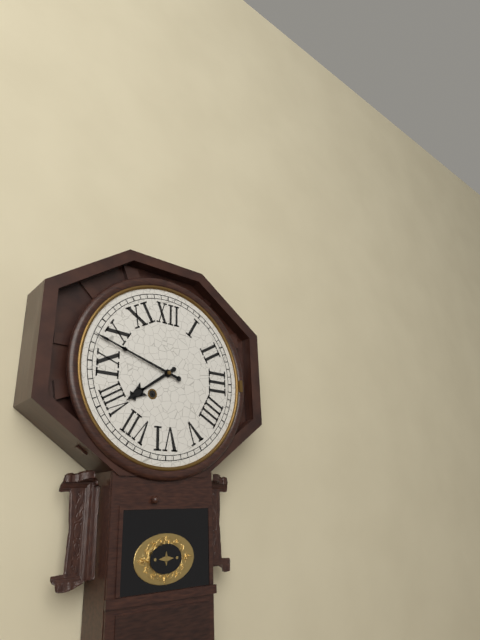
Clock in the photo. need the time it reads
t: 7:48
